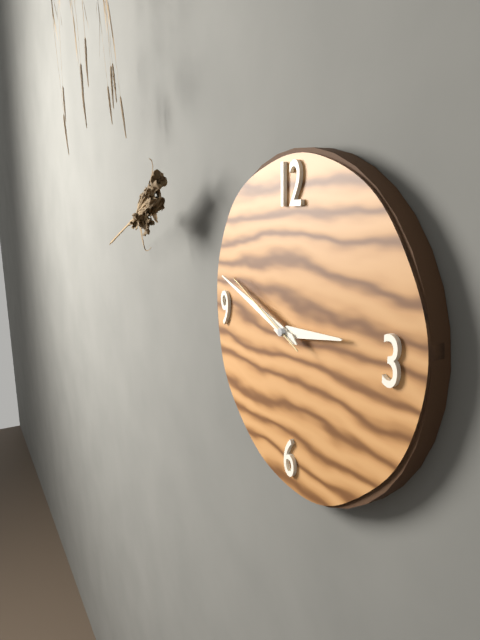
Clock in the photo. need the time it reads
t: 2:48:49
